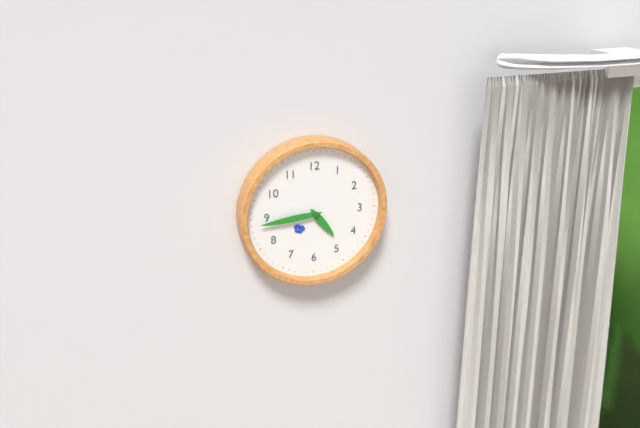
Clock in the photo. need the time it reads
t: 4:44
